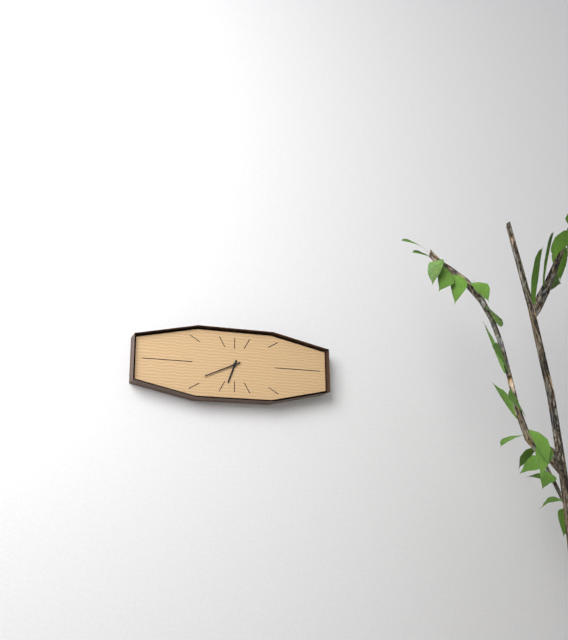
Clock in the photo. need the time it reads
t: 6:41
